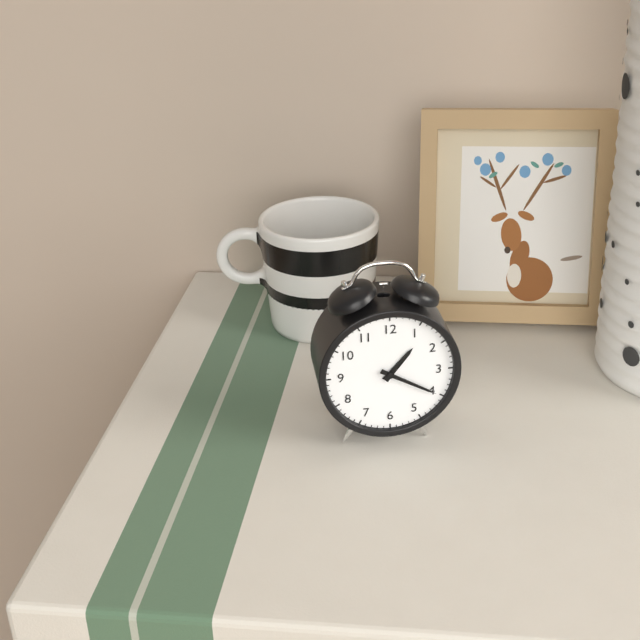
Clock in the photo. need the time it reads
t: 1:20
